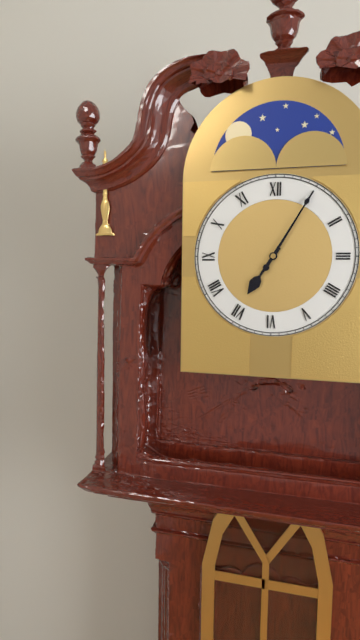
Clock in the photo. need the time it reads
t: 7:05
